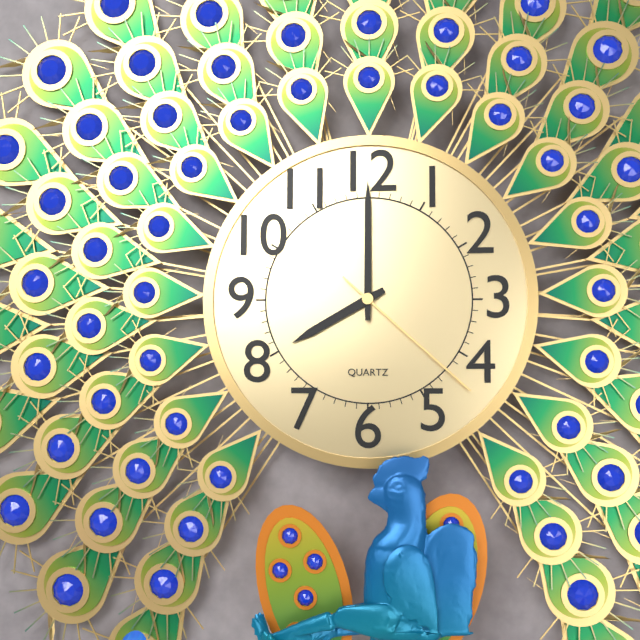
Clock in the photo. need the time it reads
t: 8:00:22
